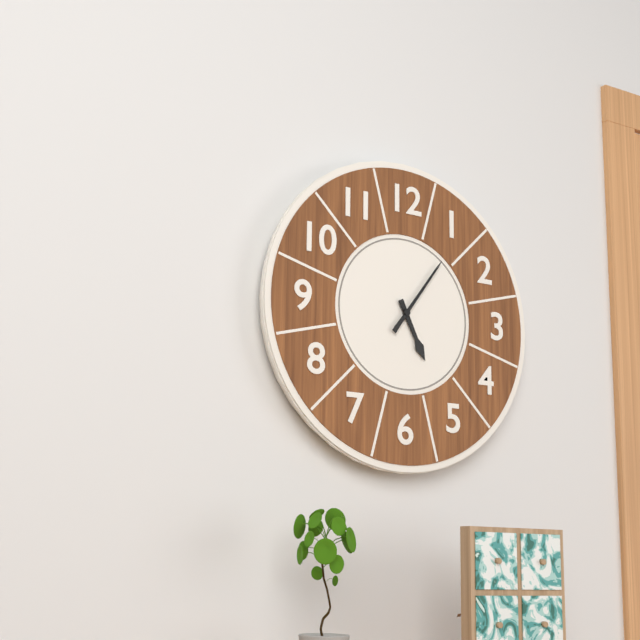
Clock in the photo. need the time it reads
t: 5:06
